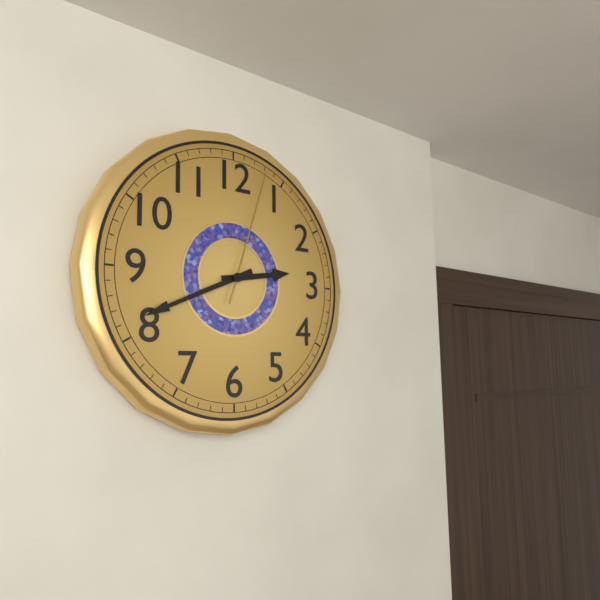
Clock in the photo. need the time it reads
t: 2:41:03
